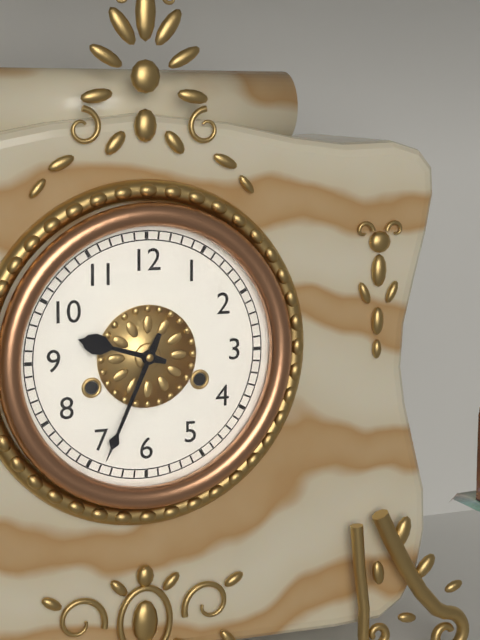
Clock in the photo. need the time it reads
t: 9:34
